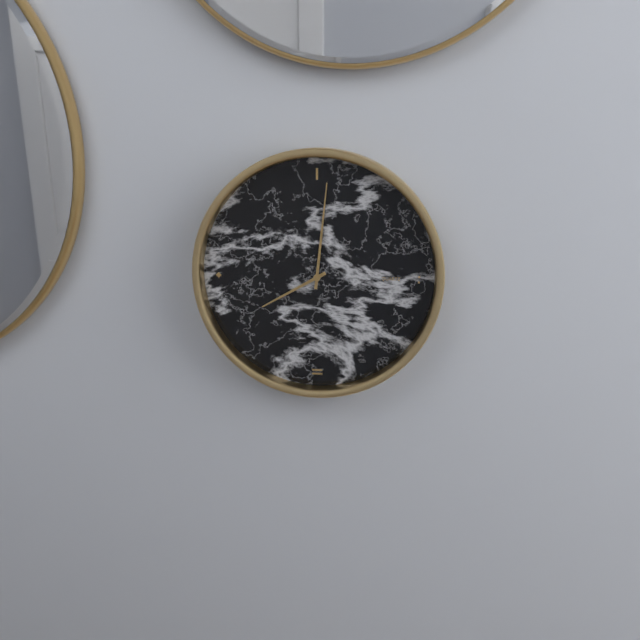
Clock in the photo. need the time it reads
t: 8:01
